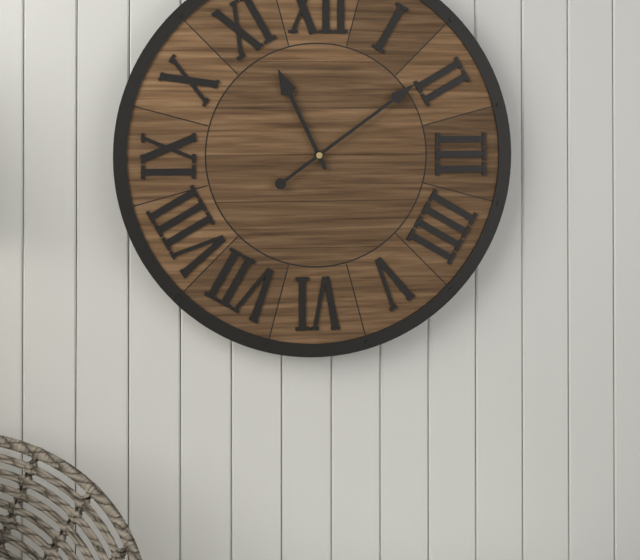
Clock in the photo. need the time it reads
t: 11:09
